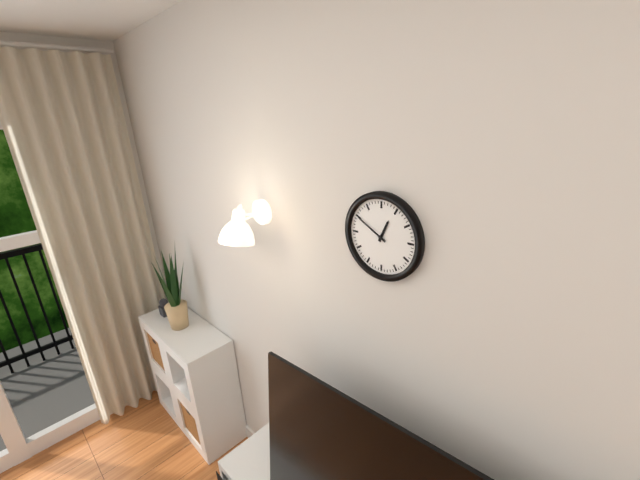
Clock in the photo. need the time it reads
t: 12:50
